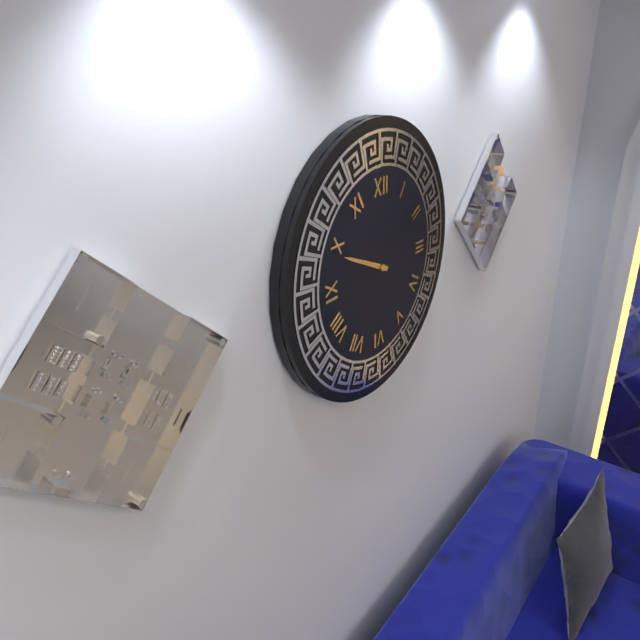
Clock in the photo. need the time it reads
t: 9:49
